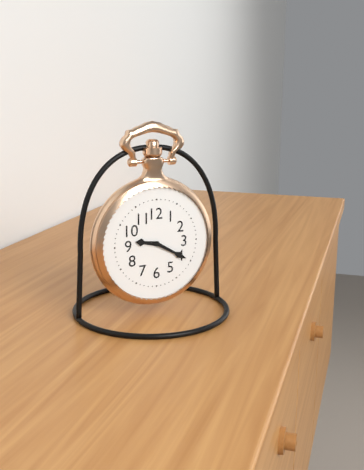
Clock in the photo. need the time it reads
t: 9:20
